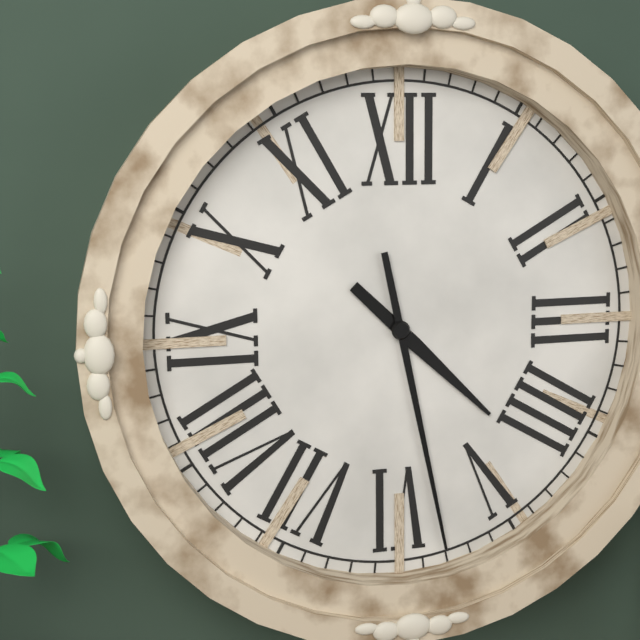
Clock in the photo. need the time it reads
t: 4:28
